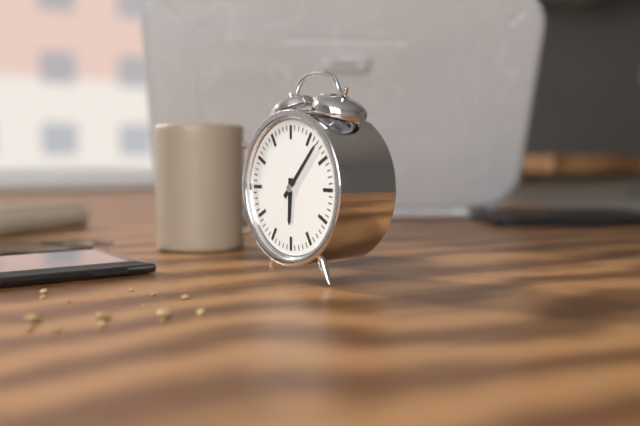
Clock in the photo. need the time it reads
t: 6:07
